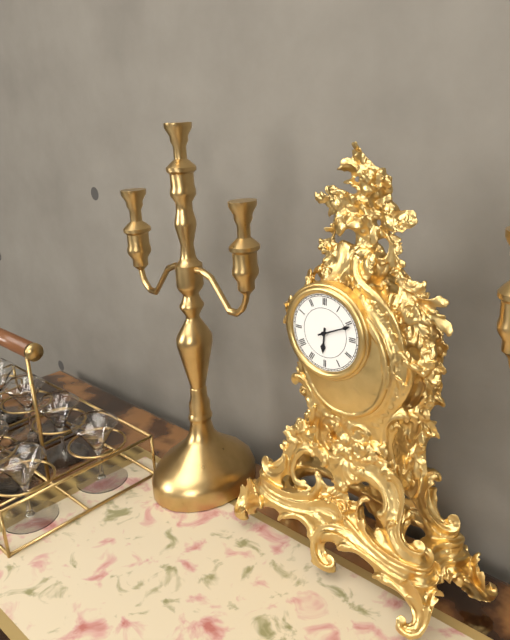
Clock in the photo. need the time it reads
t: 6:11
